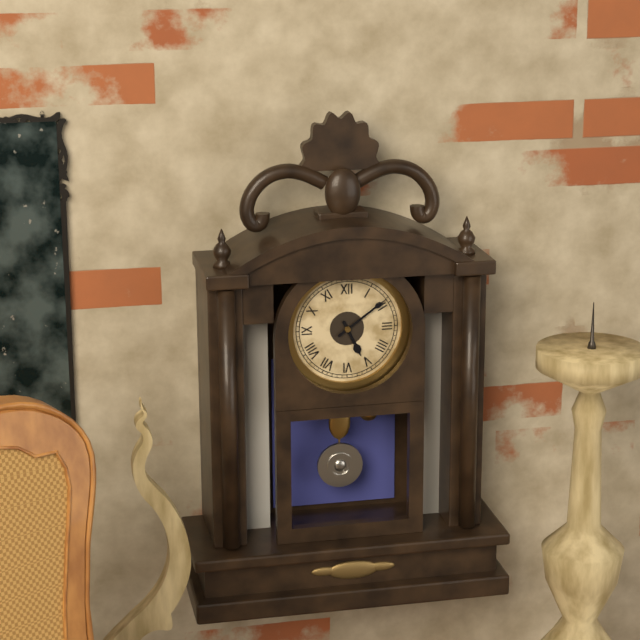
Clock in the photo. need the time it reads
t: 5:09
